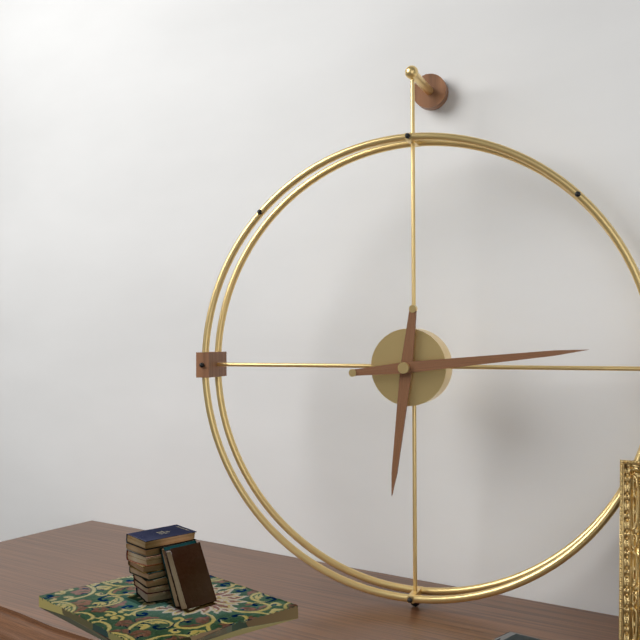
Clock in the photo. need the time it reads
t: 6:14
